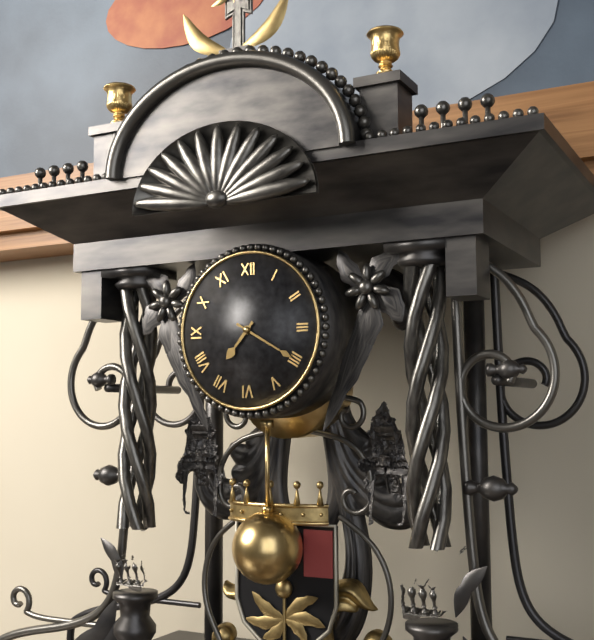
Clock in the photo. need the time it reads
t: 7:20
